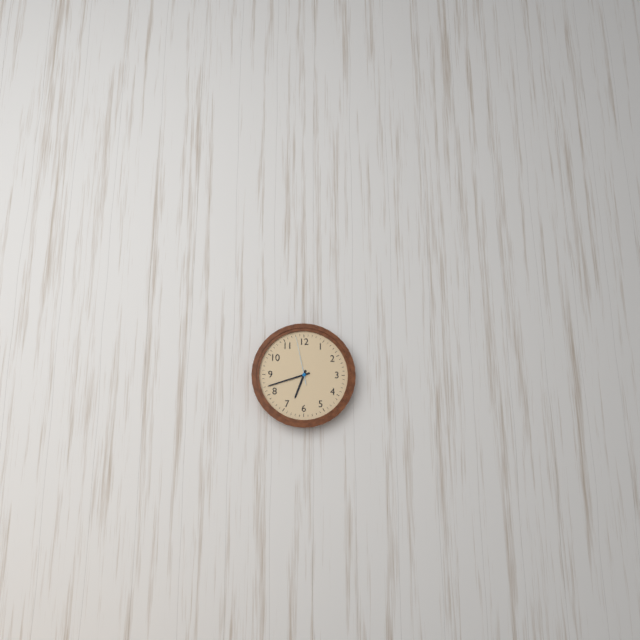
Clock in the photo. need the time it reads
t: 6:42
